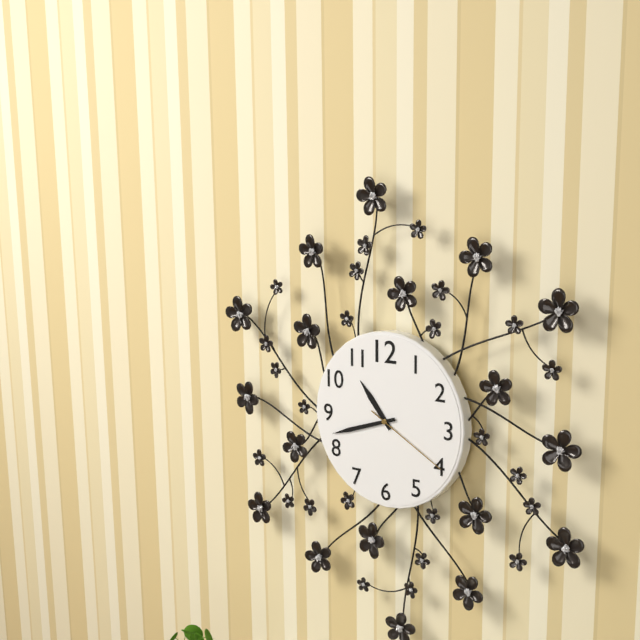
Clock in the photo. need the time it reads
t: 10:42:20
